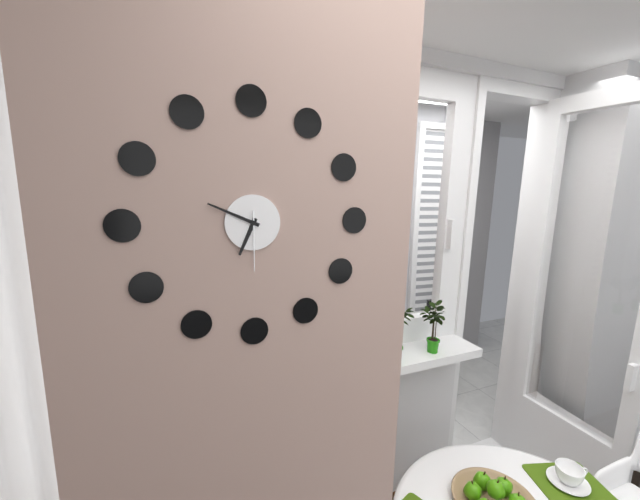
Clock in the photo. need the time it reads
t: 6:49:30
